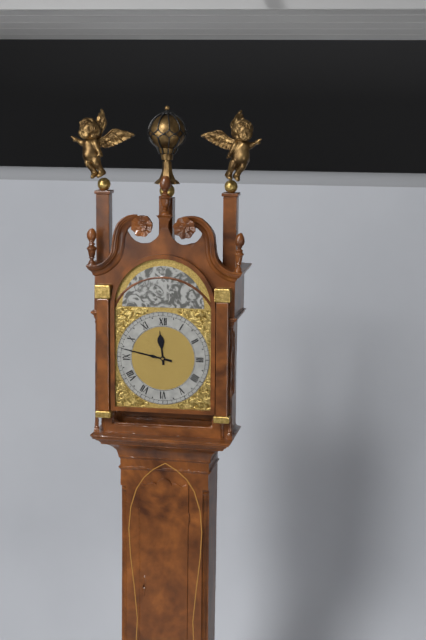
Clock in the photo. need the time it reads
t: 11:47
